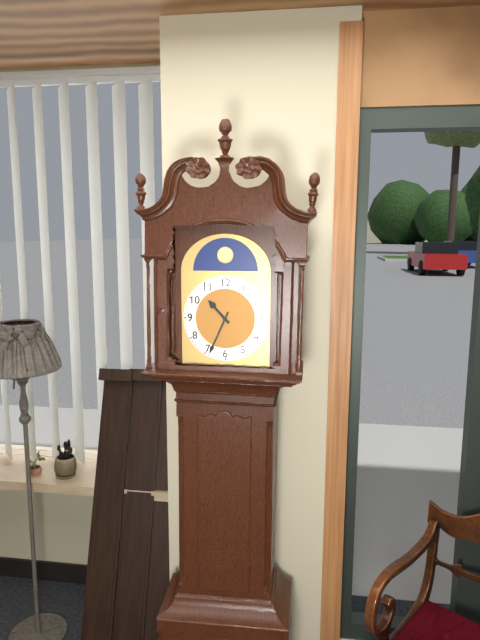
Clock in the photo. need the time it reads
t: 10:34
